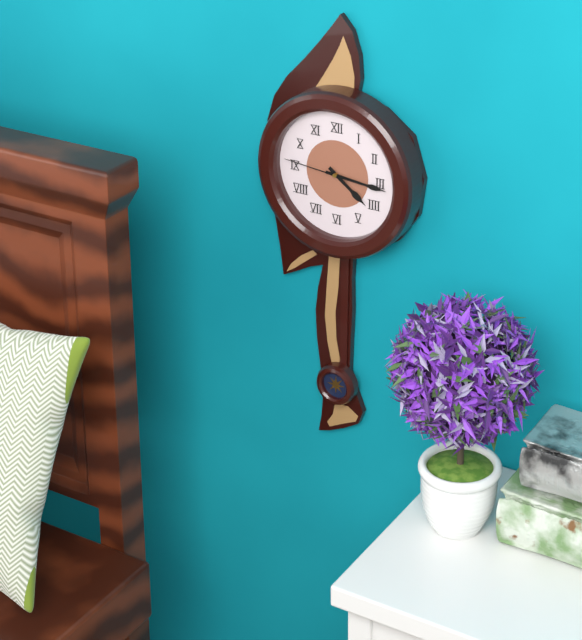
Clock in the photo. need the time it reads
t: 4:16:46
